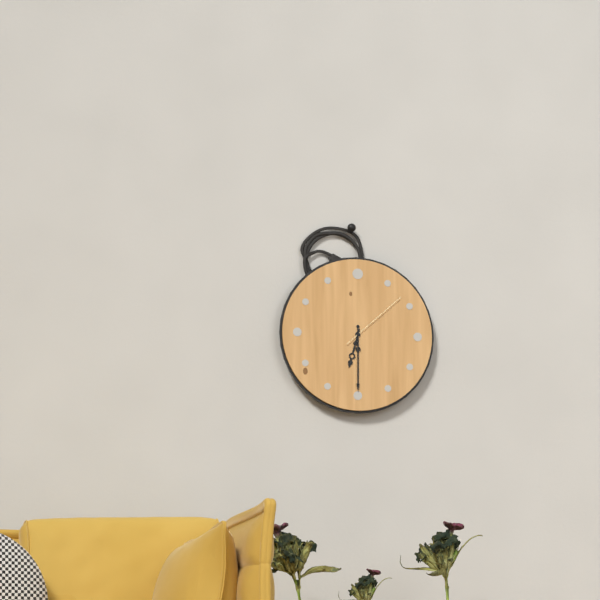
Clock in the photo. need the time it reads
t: 6:30:08
